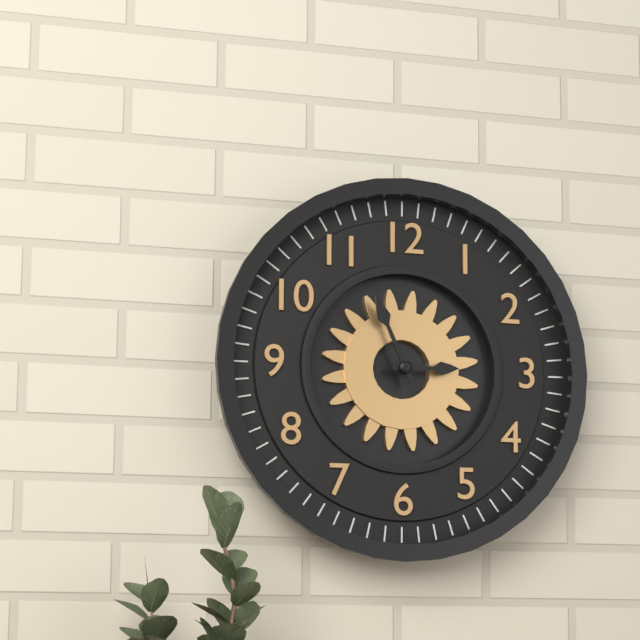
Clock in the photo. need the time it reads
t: 2:56
